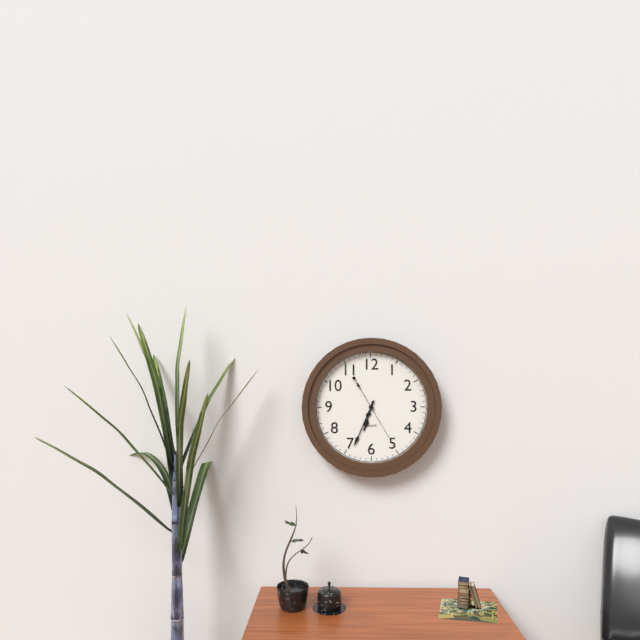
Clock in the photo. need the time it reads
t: 6:34:25
